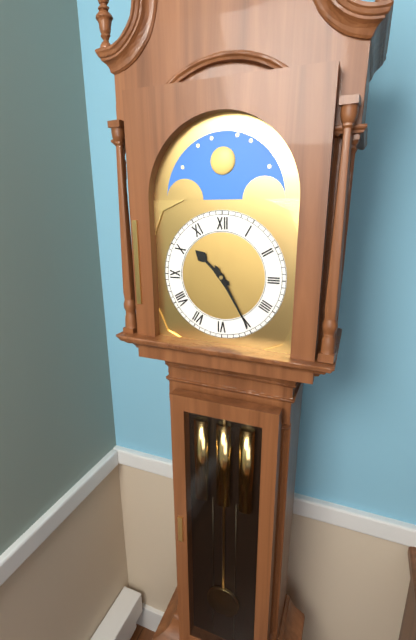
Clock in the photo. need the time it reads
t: 10:25
